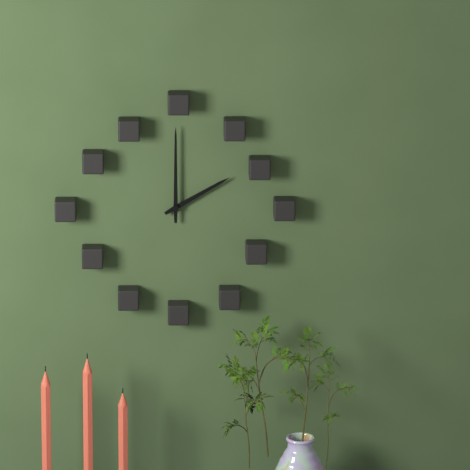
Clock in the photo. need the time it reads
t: 2:00
